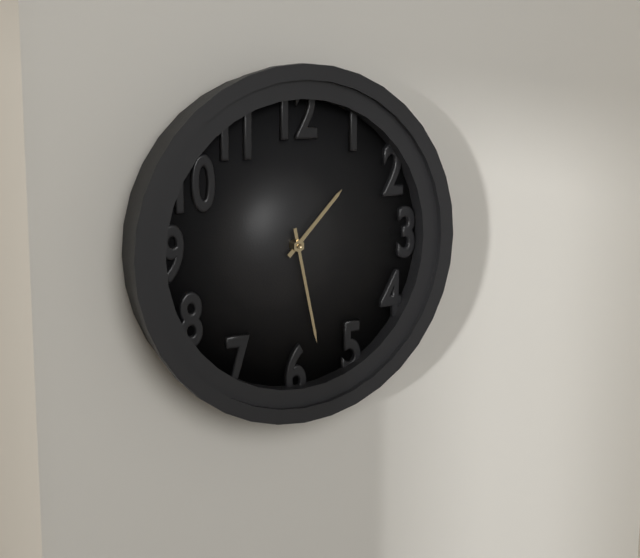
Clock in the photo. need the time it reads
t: 1:28
